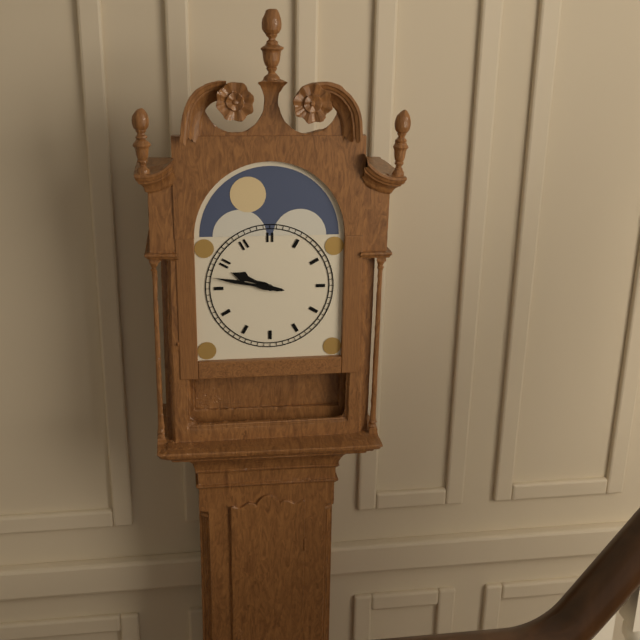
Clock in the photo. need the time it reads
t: 9:47
